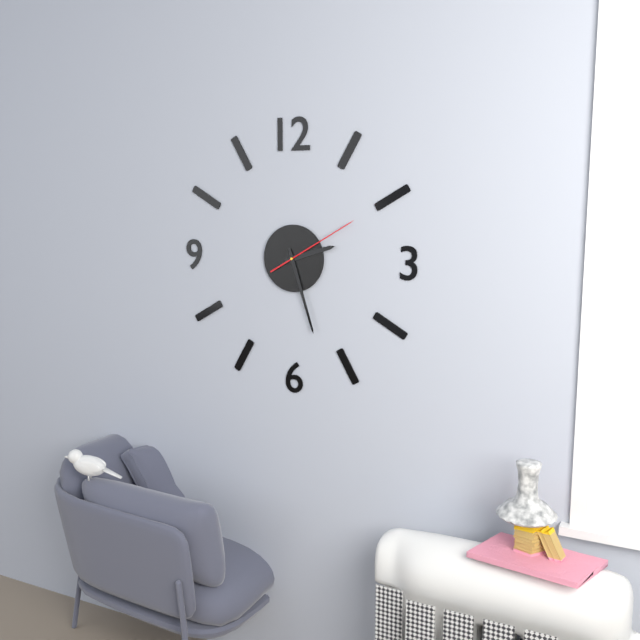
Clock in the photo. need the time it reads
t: 2:27:10
